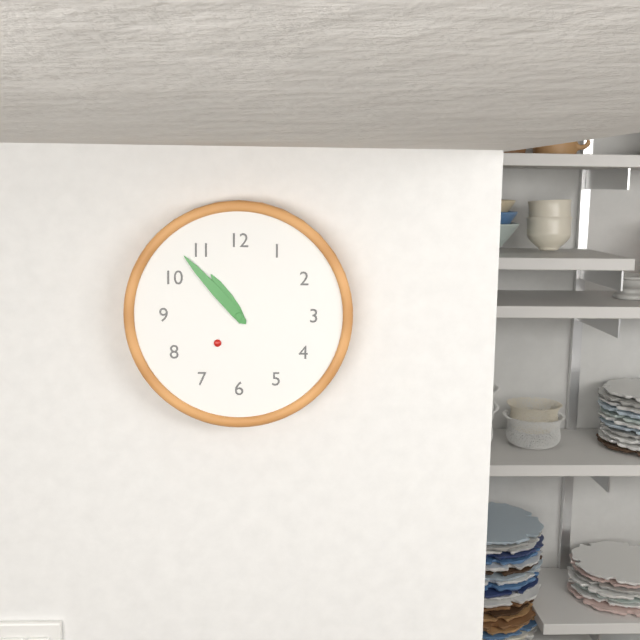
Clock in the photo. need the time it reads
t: 10:53
